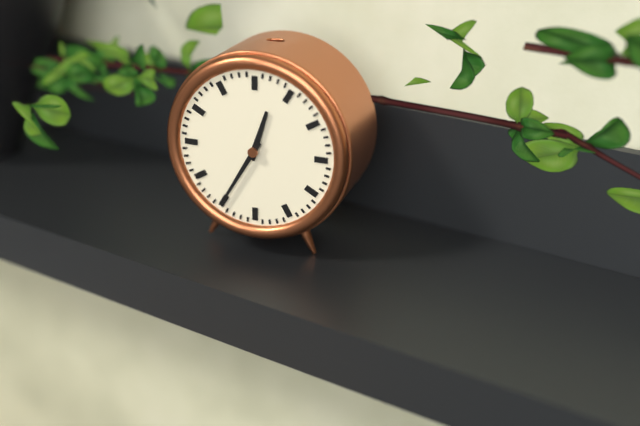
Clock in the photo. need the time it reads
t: 12:35
